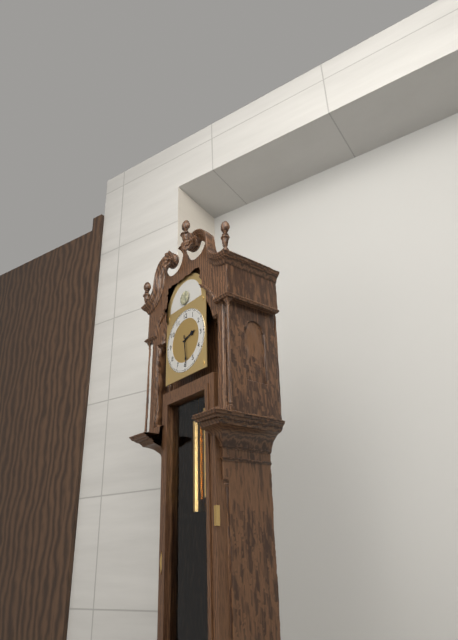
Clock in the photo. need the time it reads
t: 2:29
